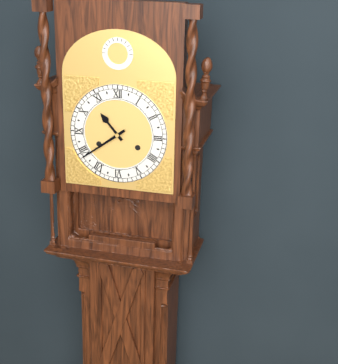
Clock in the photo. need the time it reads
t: 10:39
